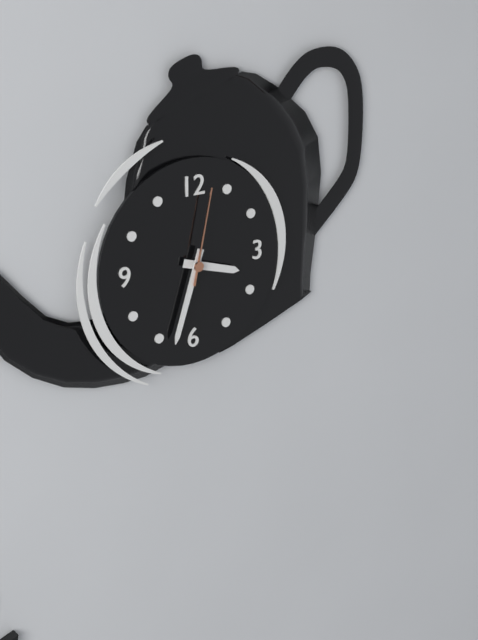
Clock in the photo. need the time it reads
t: 3:33:02
